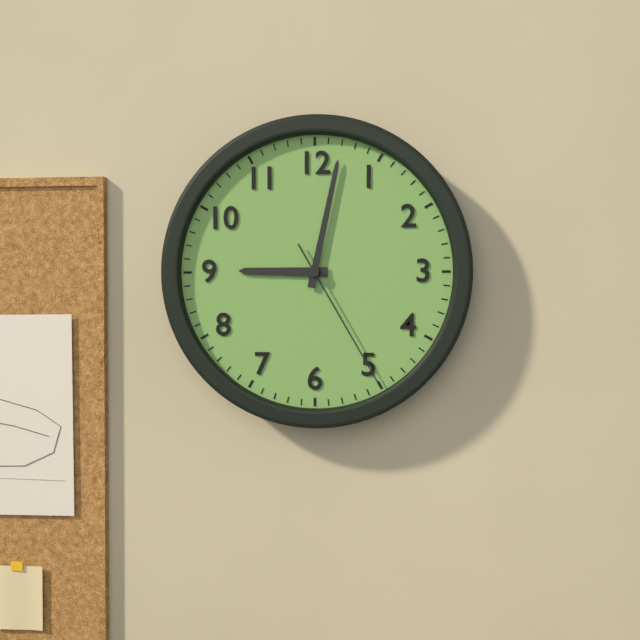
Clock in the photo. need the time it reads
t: 9:02:25
